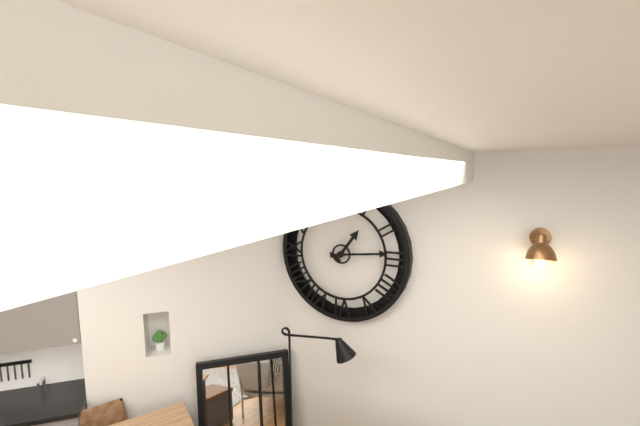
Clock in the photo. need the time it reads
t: 1:14
